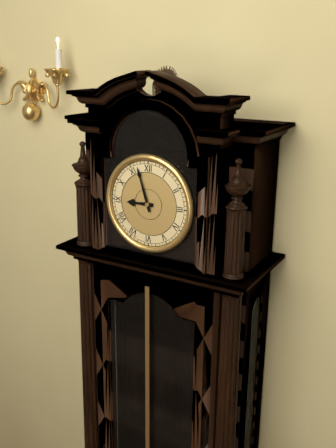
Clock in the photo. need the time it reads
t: 8:57
